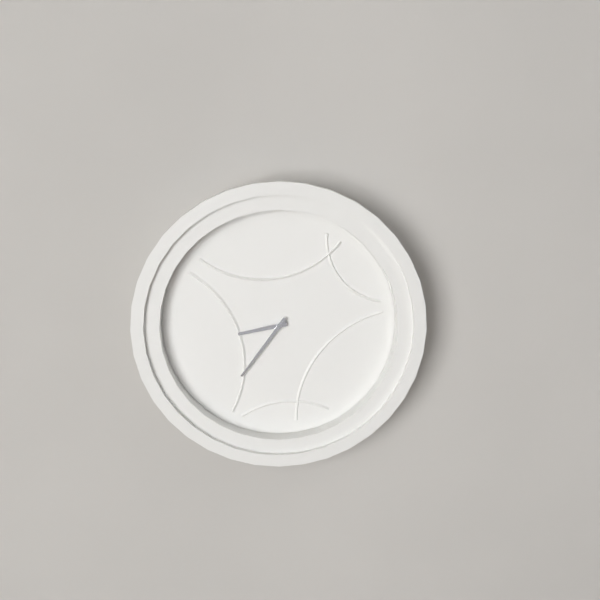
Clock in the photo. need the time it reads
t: 8:36
